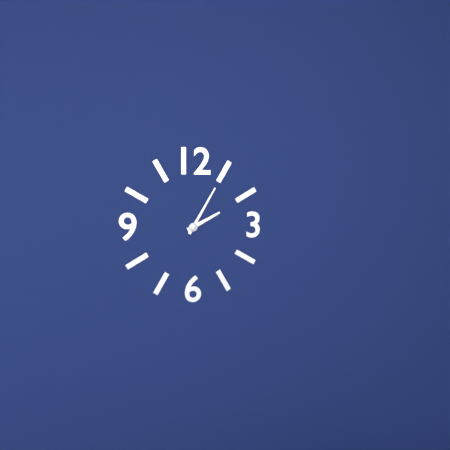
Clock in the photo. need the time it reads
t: 2:05
